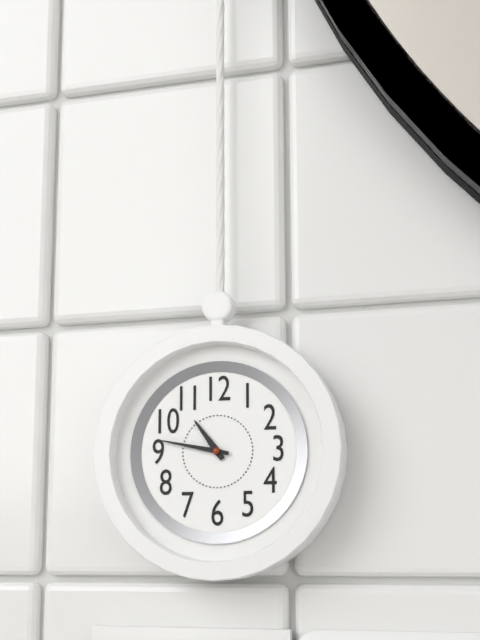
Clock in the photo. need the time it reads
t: 10:47
